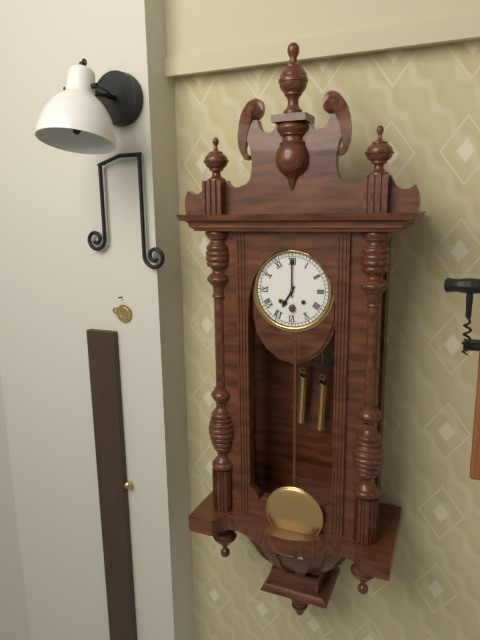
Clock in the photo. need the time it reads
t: 7:00
